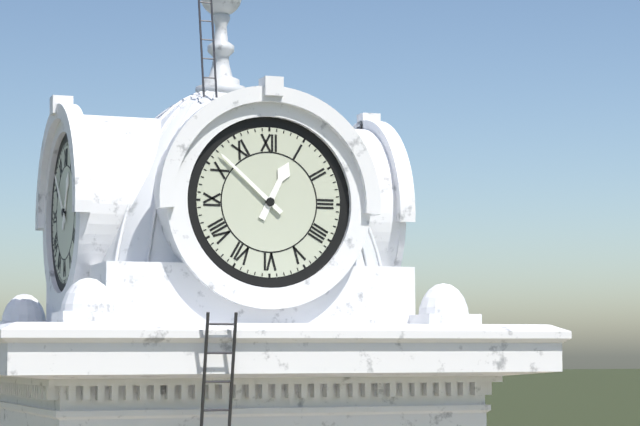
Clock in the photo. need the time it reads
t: 12:52
